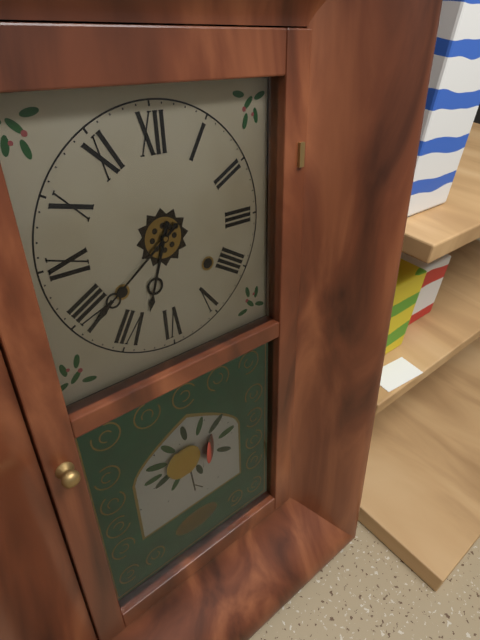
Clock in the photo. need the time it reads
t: 6:39
